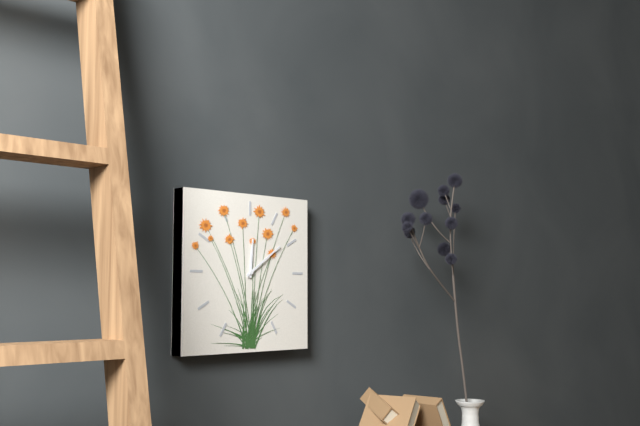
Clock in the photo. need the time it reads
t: 12:09
